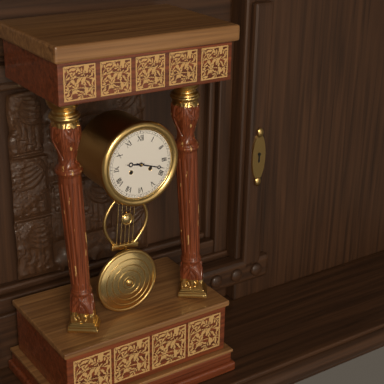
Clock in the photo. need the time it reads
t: 9:18
